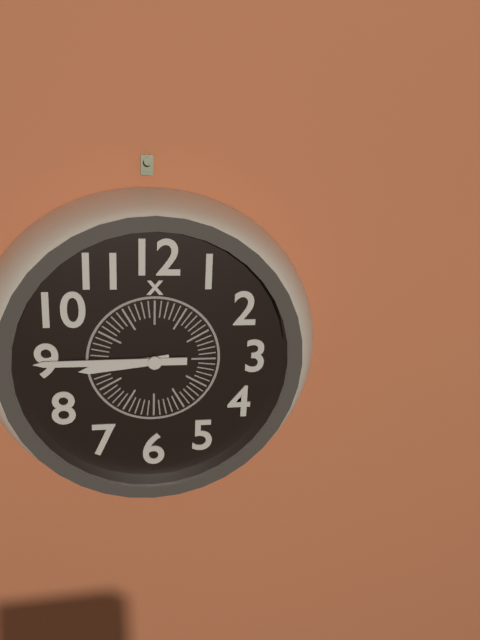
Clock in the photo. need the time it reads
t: 8:45
